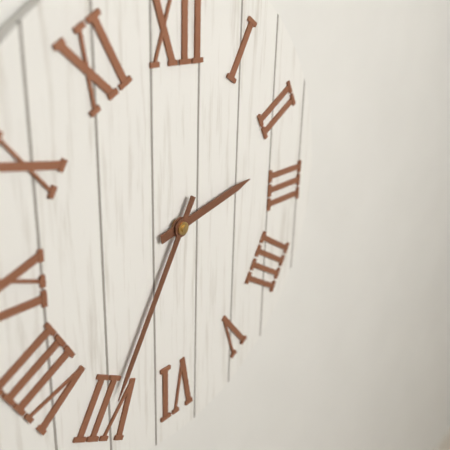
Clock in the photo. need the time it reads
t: 2:35
